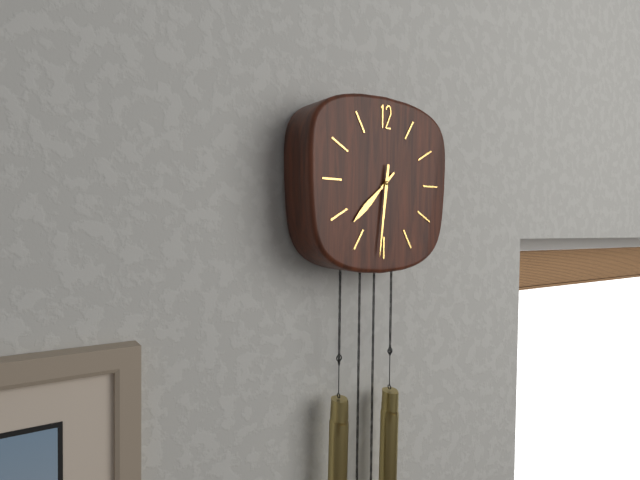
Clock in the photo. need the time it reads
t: 7:31
